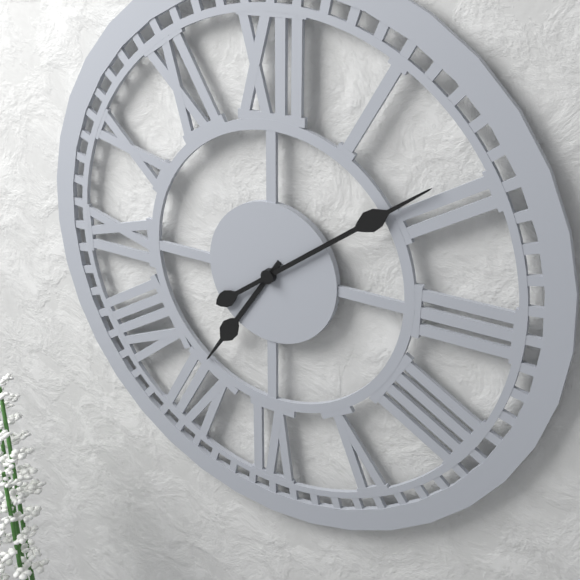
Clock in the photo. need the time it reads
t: 7:09
